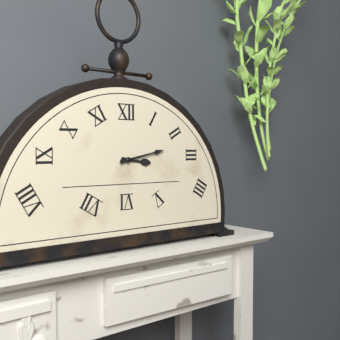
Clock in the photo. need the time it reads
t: 3:13
